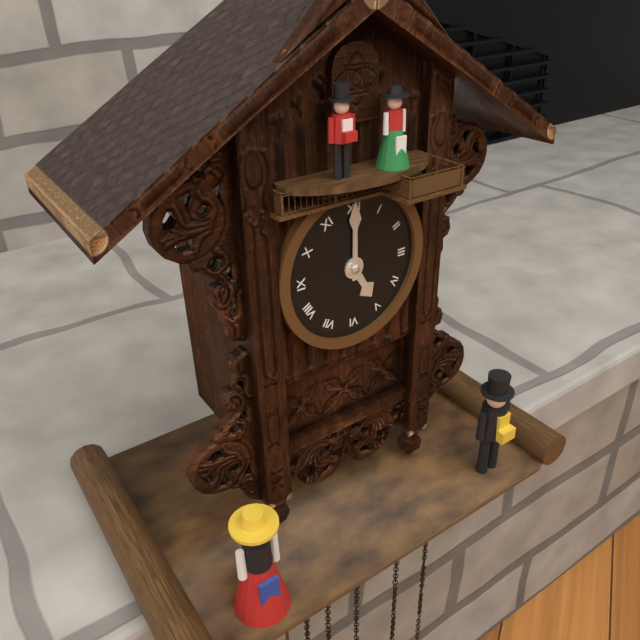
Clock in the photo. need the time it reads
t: 5:00
